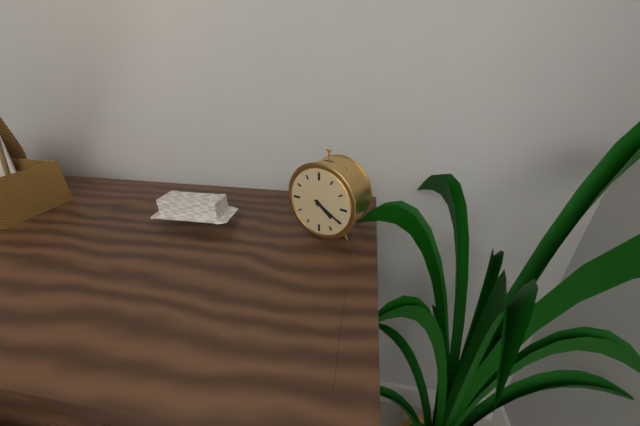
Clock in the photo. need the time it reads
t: 4:20
